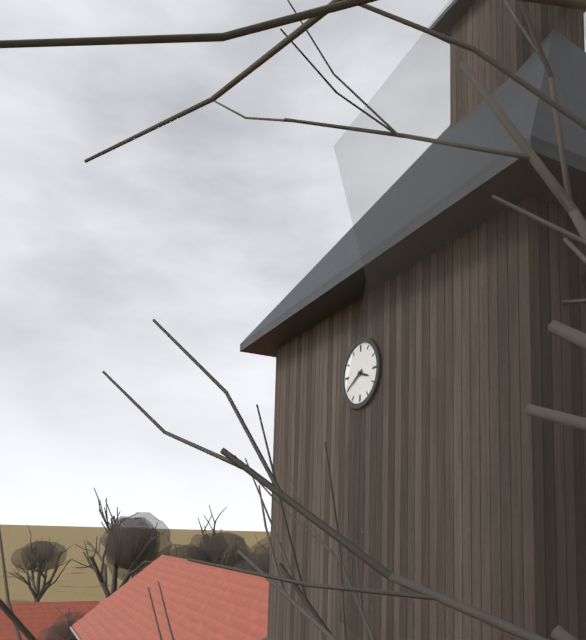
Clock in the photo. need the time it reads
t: 3:40
